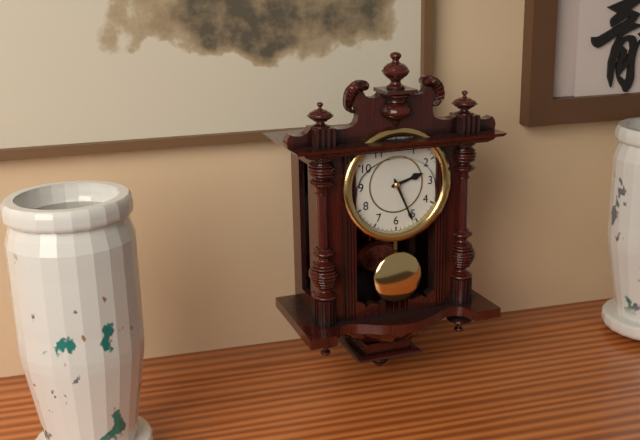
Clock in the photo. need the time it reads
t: 2:26
